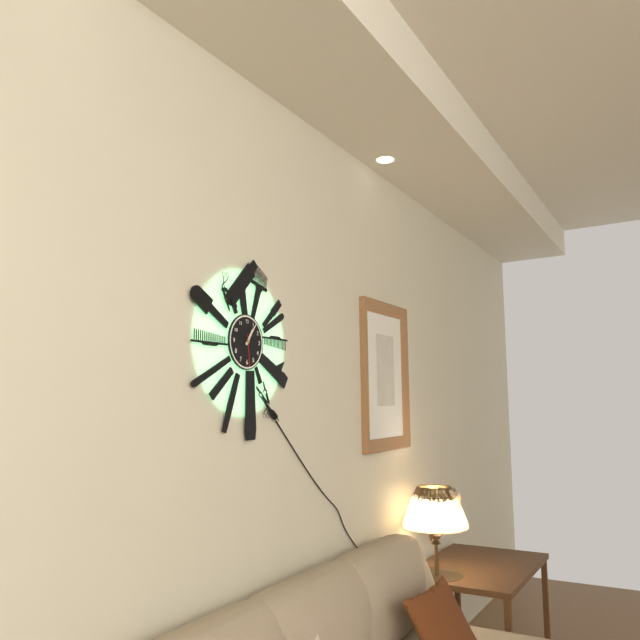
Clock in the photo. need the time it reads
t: 1:06
